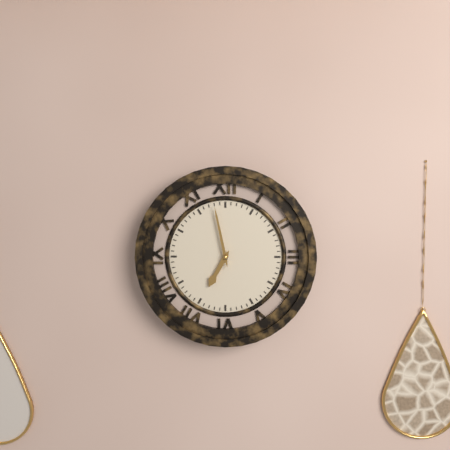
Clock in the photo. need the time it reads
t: 6:58
